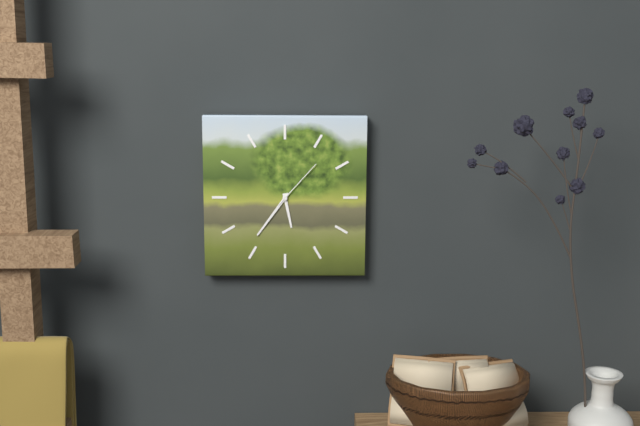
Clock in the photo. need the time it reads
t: 5:36:07
